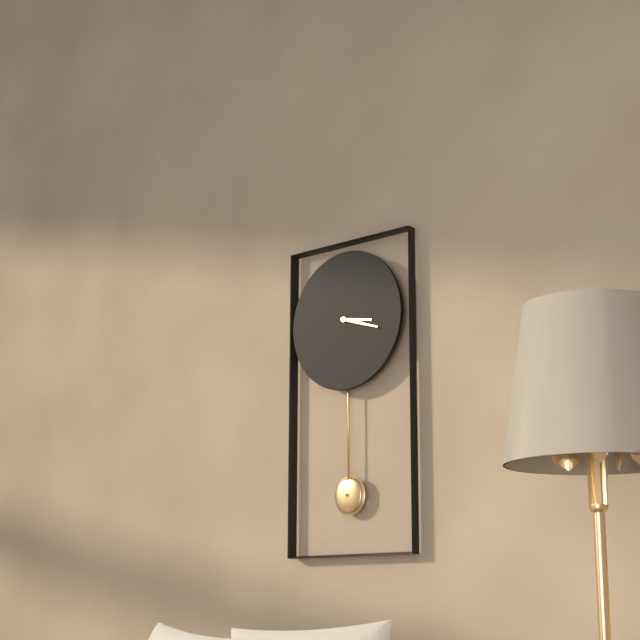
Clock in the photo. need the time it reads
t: 3:18
